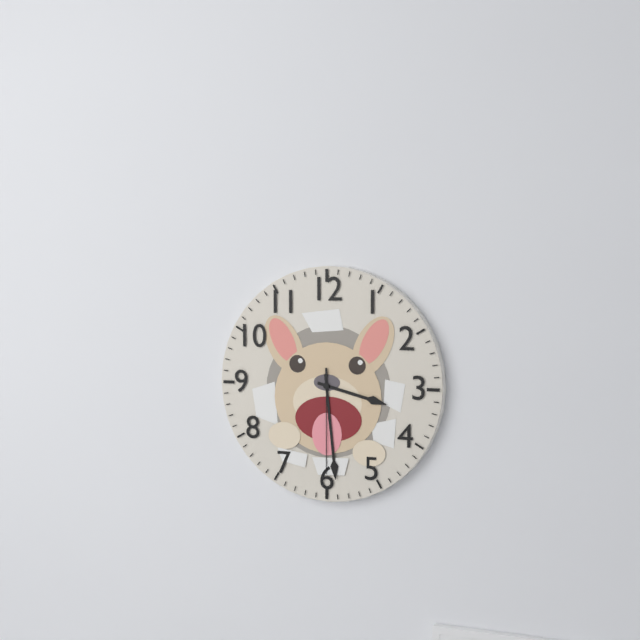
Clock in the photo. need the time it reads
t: 3:29:30
